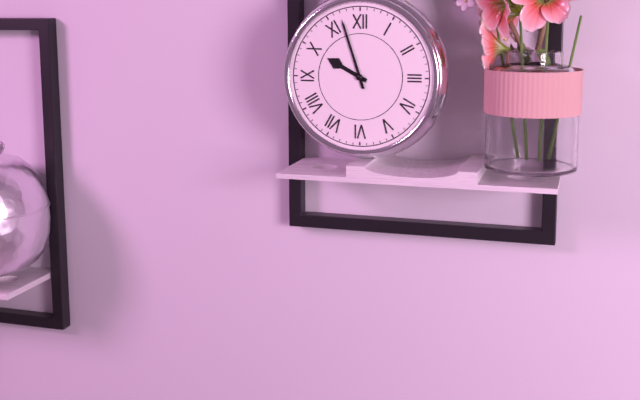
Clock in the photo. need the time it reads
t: 9:57
